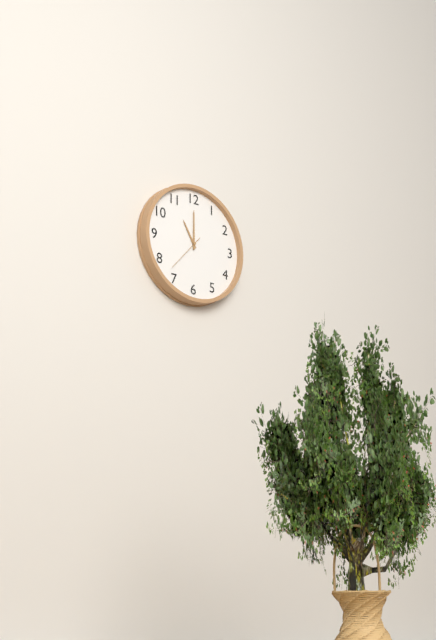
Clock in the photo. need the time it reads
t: 11:00
